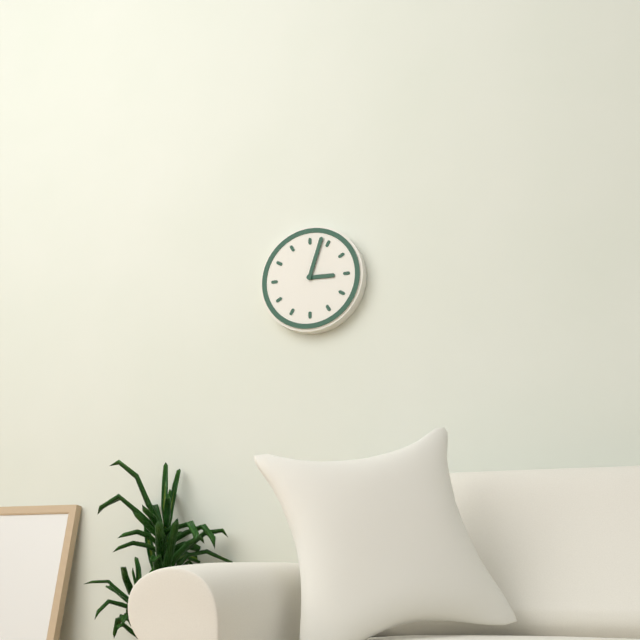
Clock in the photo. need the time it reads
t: 3:03
